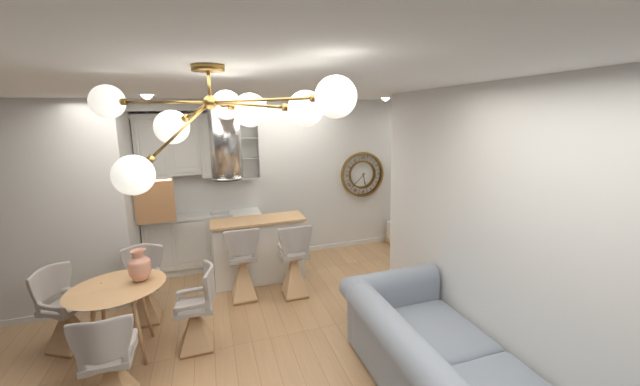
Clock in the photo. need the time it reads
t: 5:38
